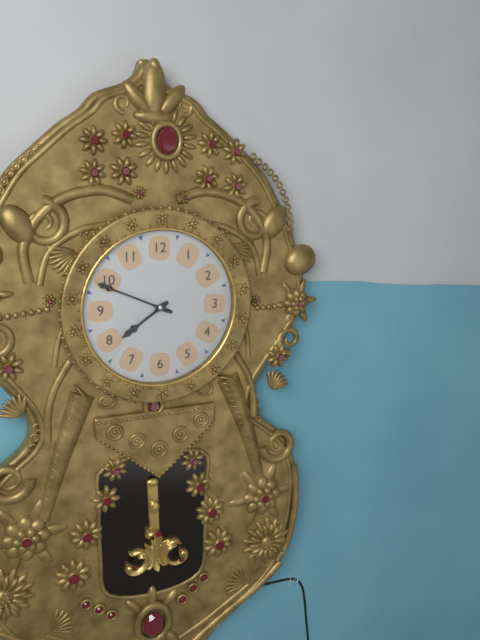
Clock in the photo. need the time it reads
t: 7:49
